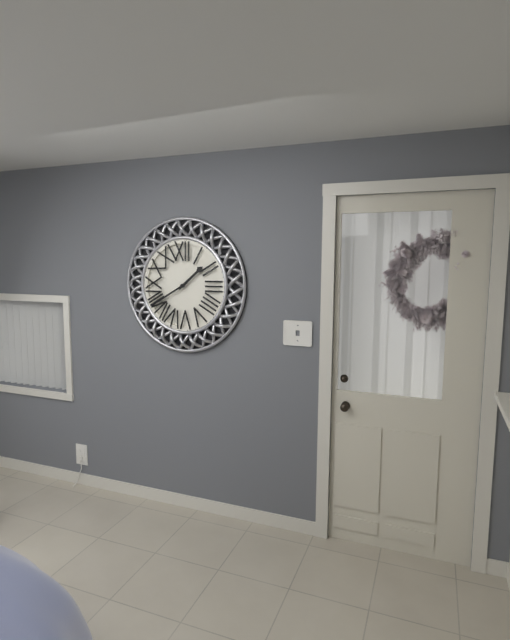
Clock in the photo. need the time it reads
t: 1:40
